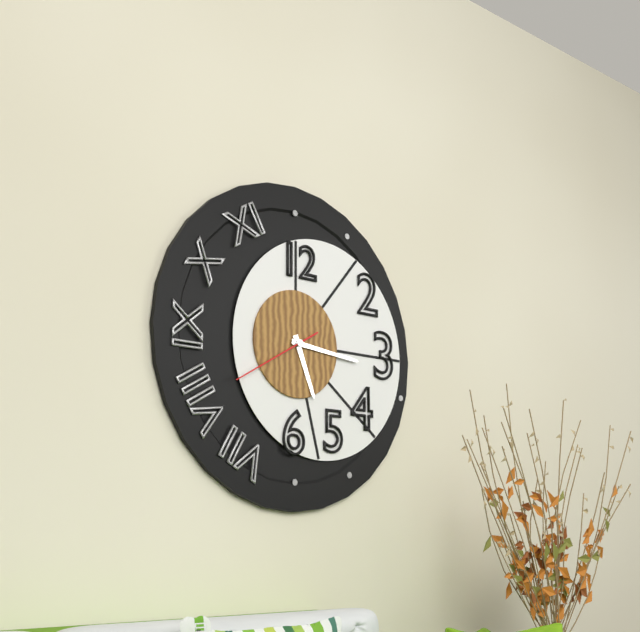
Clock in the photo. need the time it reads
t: 5:16:40
